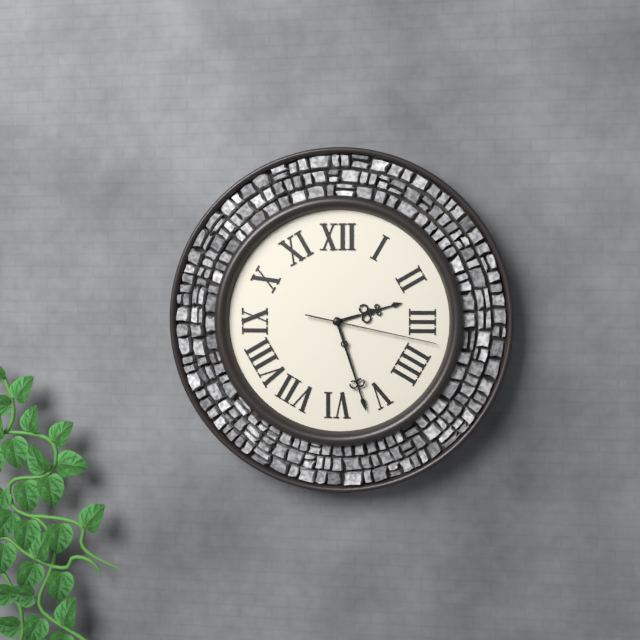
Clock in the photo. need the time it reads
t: 2:27:17
